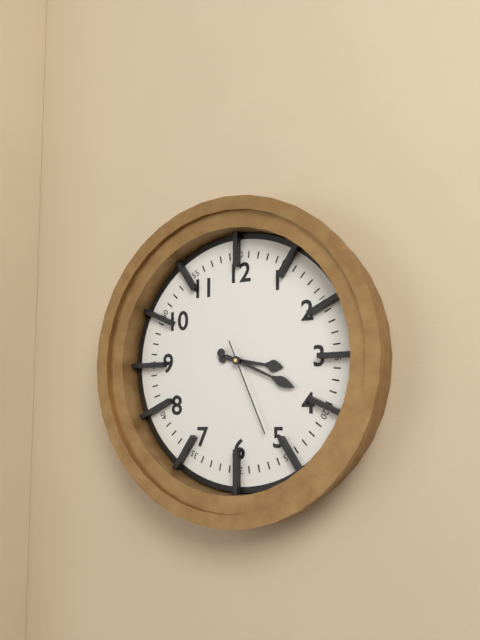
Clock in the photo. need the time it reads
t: 3:19:26
